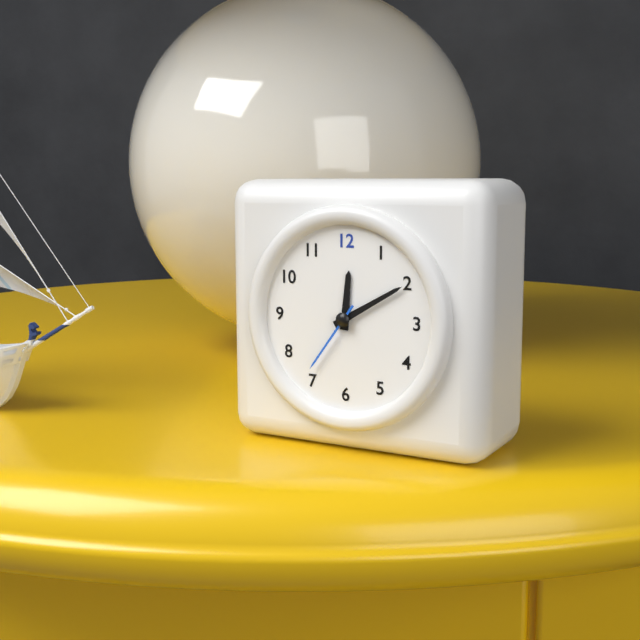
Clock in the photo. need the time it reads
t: 12:10:36
